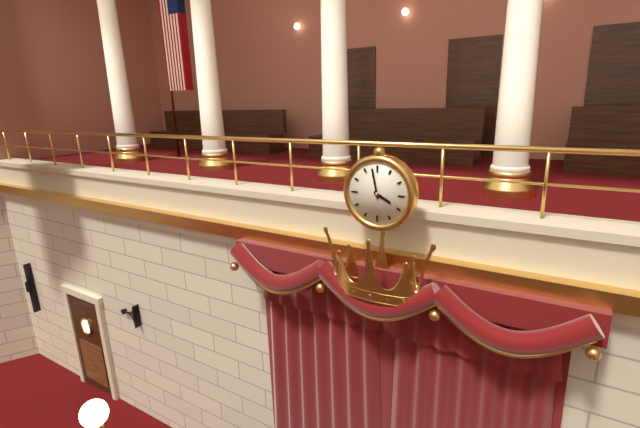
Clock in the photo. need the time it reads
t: 3:58
